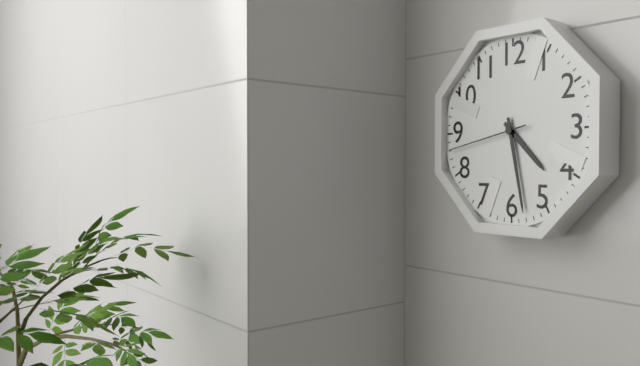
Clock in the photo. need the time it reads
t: 4:28:43
